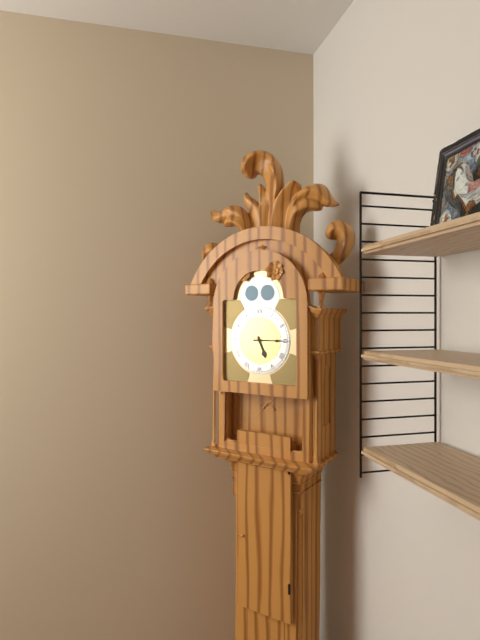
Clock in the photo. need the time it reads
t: 5:15
